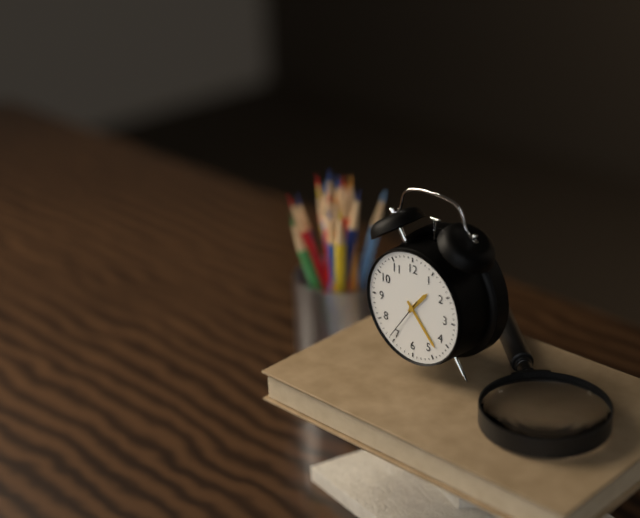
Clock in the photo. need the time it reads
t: 1:23
